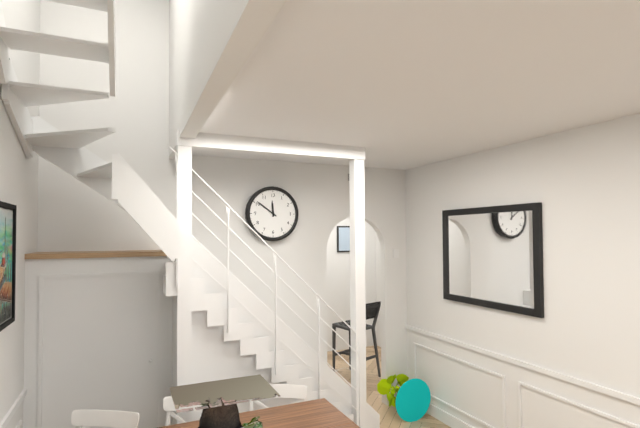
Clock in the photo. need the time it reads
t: 11:51
